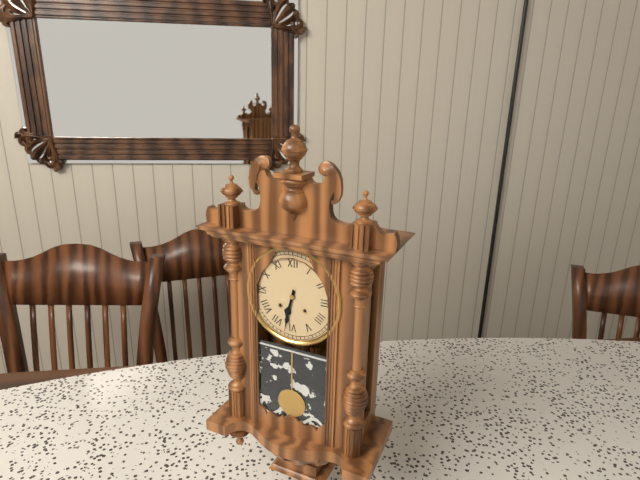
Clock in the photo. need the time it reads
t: 6:32
